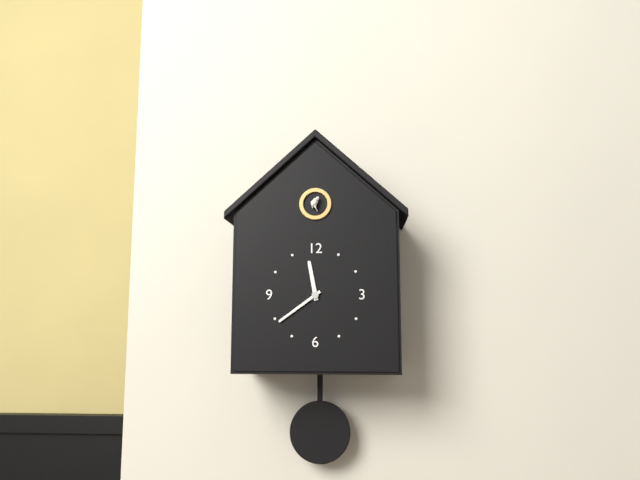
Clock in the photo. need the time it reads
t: 11:39
